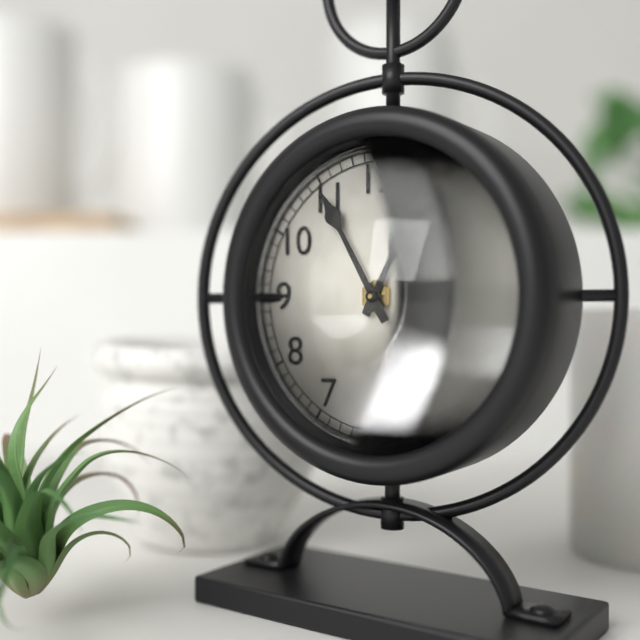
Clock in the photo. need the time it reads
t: 12:55
